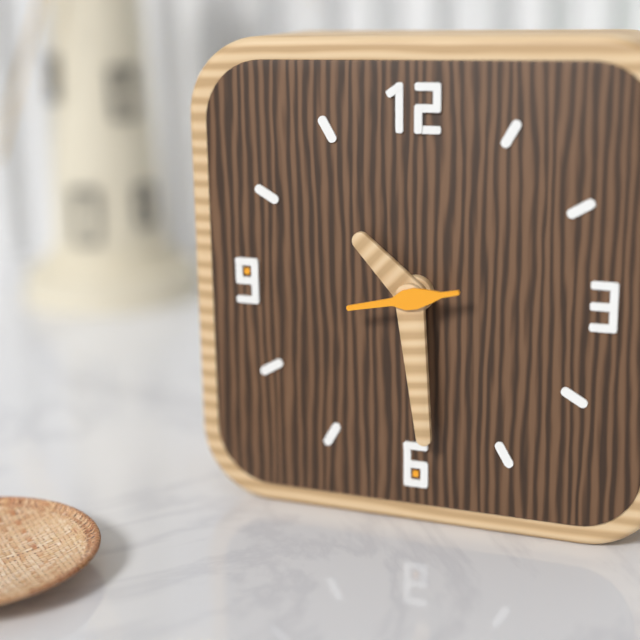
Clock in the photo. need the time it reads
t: 10:29:43
